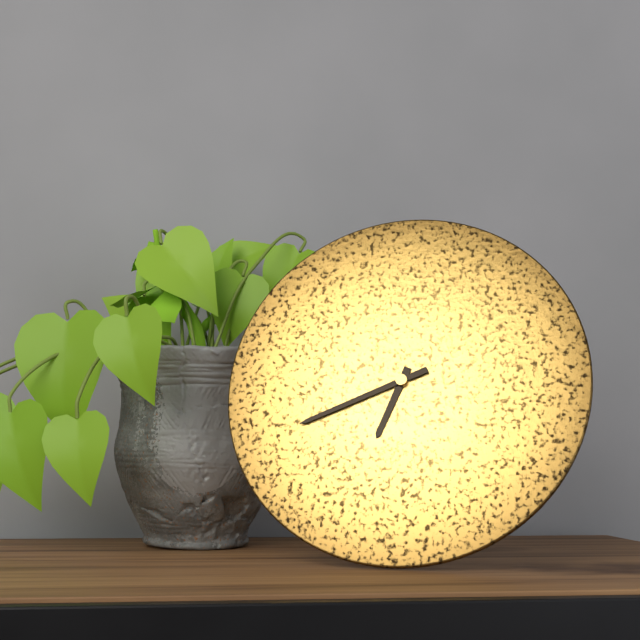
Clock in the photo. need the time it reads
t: 6:41
